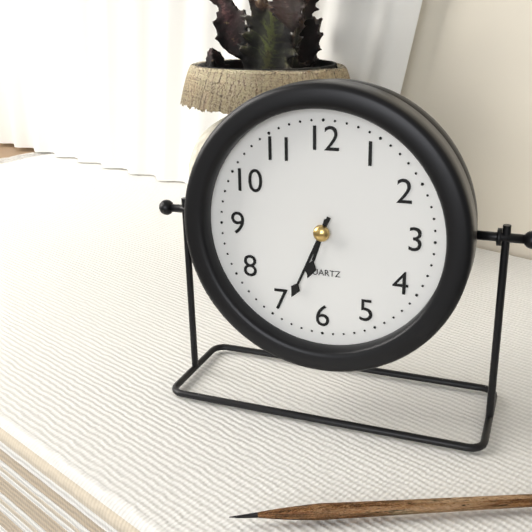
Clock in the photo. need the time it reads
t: 6:34
